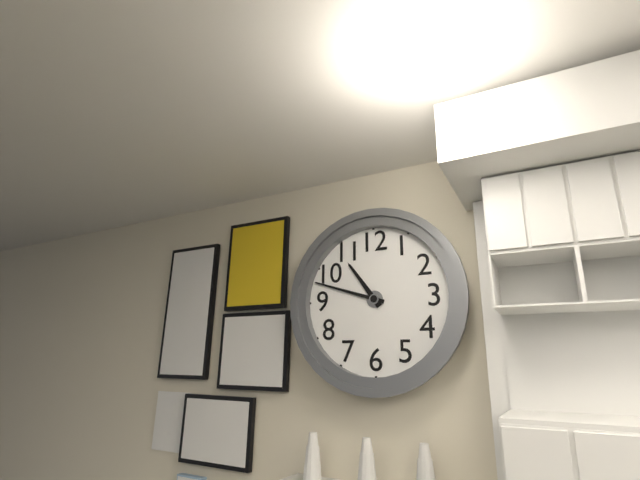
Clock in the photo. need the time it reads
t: 10:48
